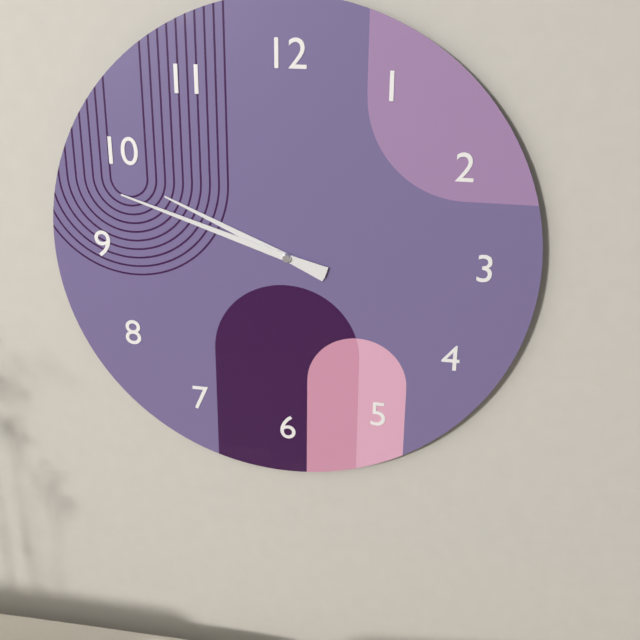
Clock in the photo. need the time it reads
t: 9:48
